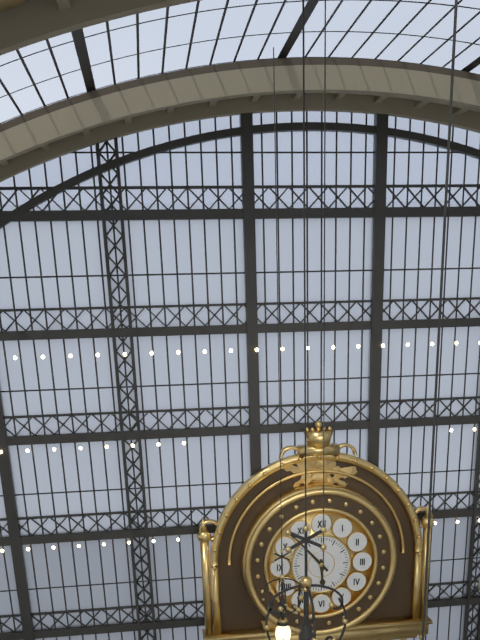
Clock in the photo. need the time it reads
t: 5:53
